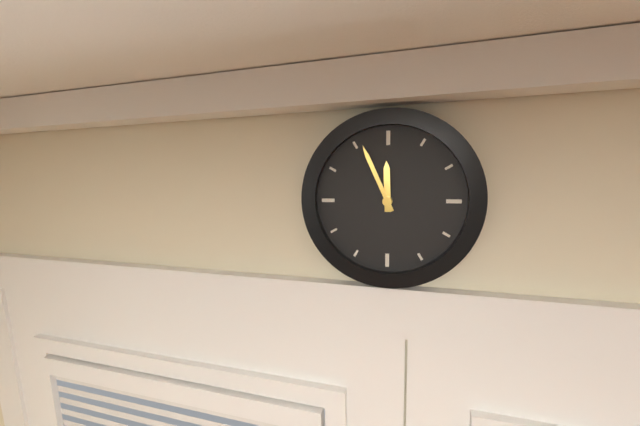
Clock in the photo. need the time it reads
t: 11:56
